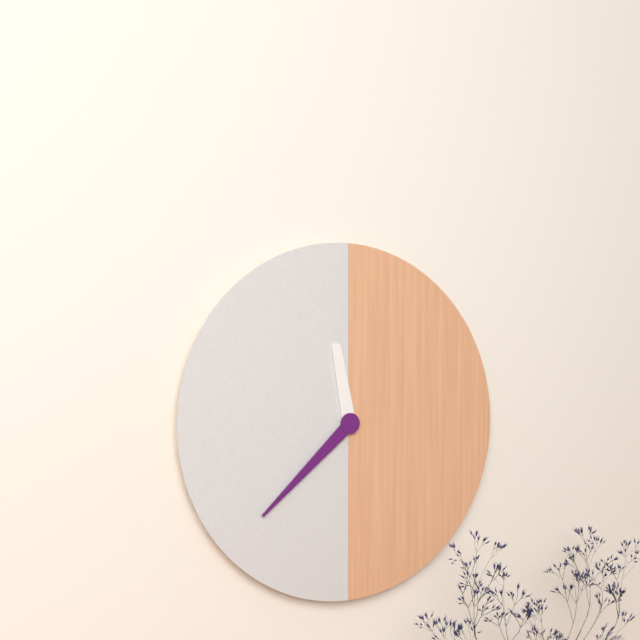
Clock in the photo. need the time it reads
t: 11:38
